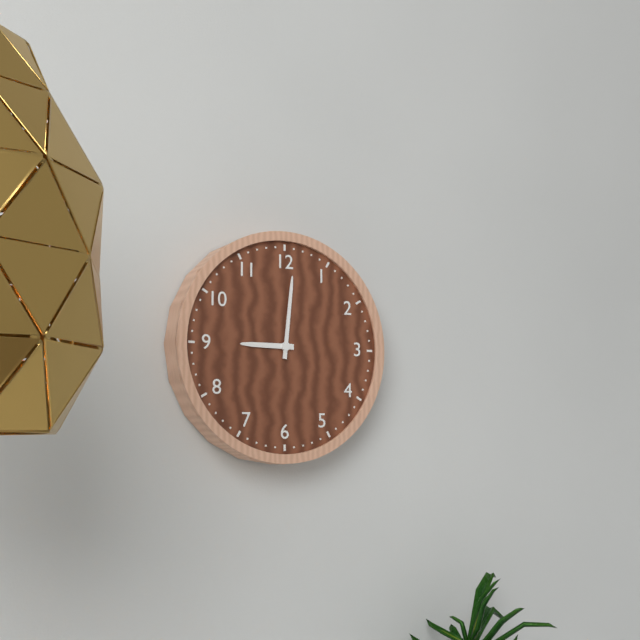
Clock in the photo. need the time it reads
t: 9:01
